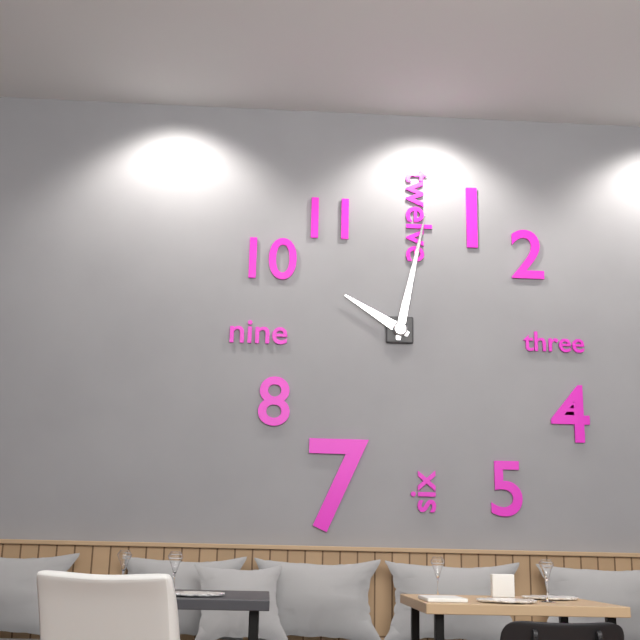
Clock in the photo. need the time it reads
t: 10:02
